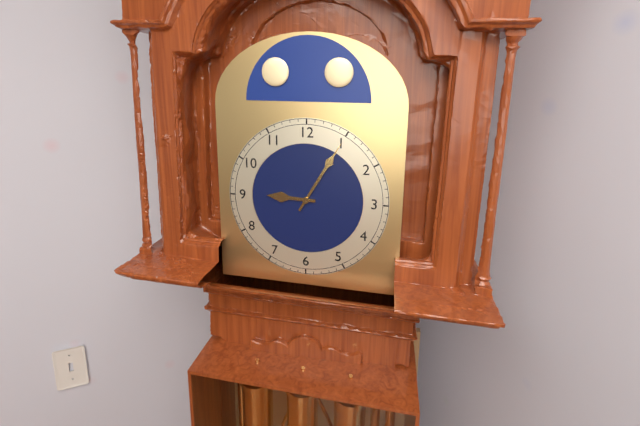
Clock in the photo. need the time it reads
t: 9:05
